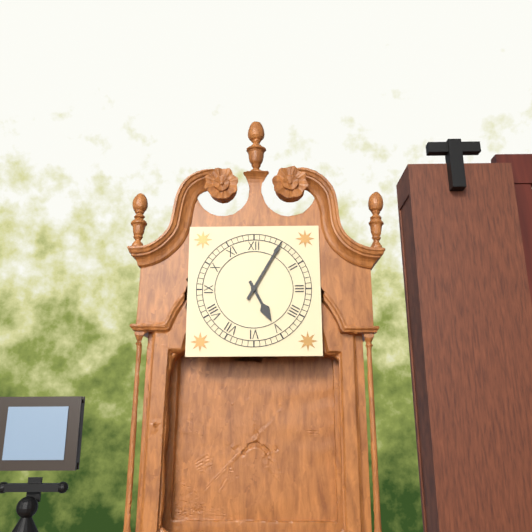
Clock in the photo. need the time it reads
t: 5:05
